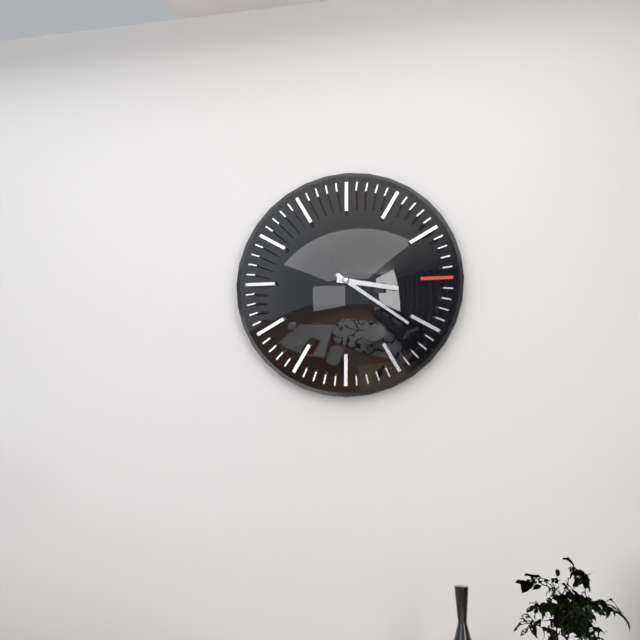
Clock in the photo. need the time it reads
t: 3:21
